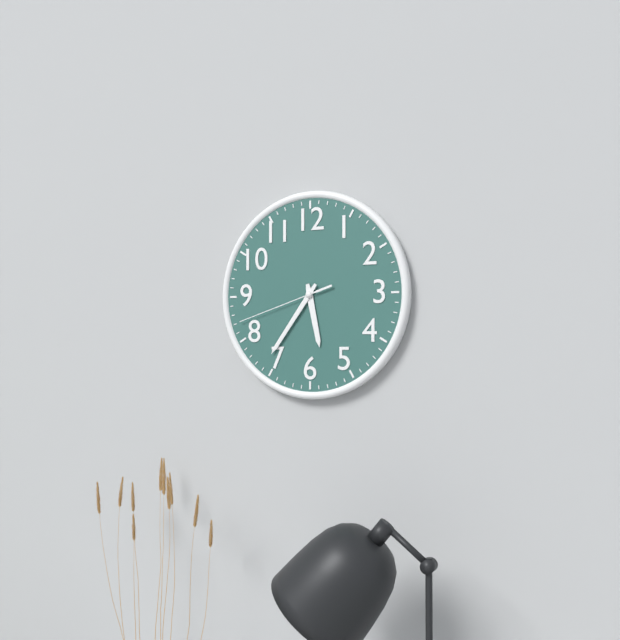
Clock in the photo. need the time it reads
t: 5:36:42
